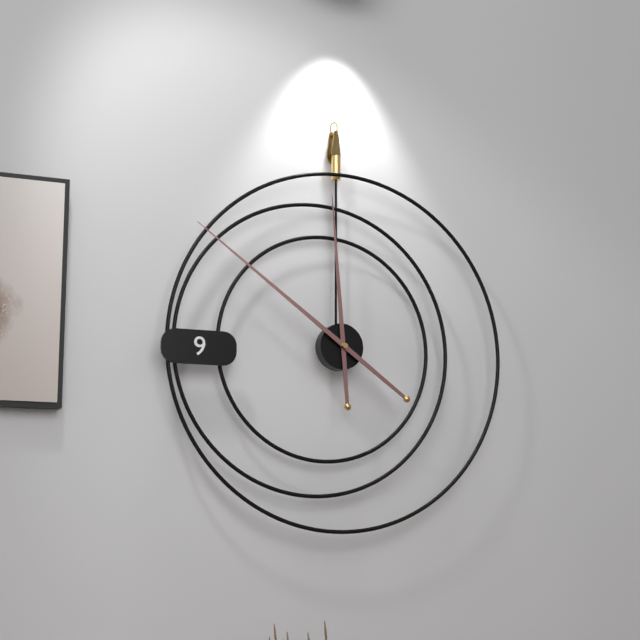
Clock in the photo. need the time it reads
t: 11:51
